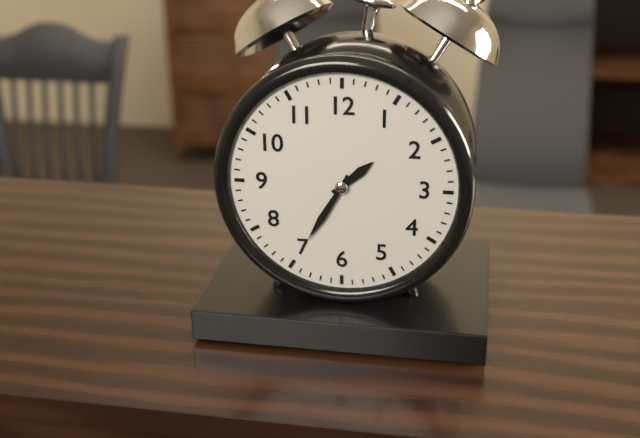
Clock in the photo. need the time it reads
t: 1:35
